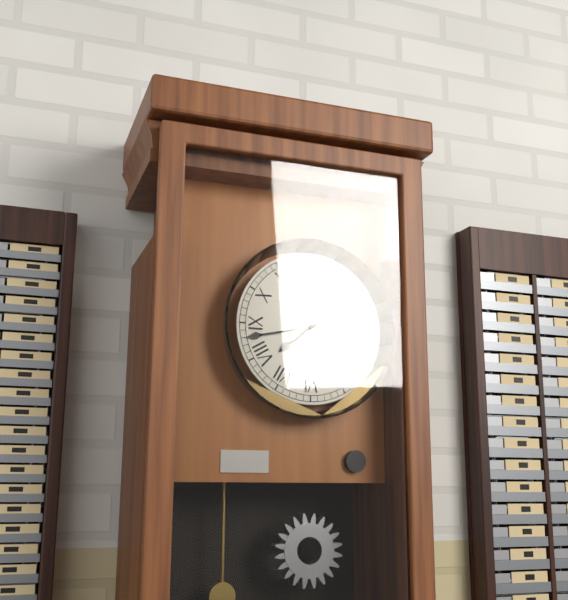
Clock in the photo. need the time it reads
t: 7:43
